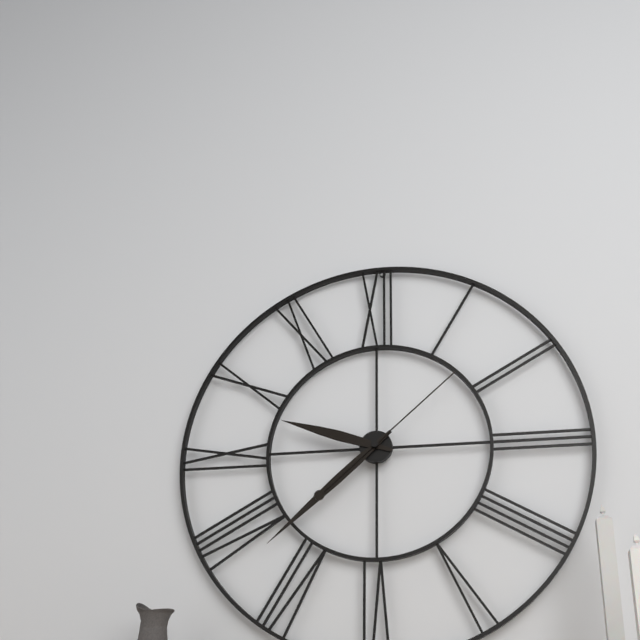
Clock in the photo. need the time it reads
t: 9:38:08
